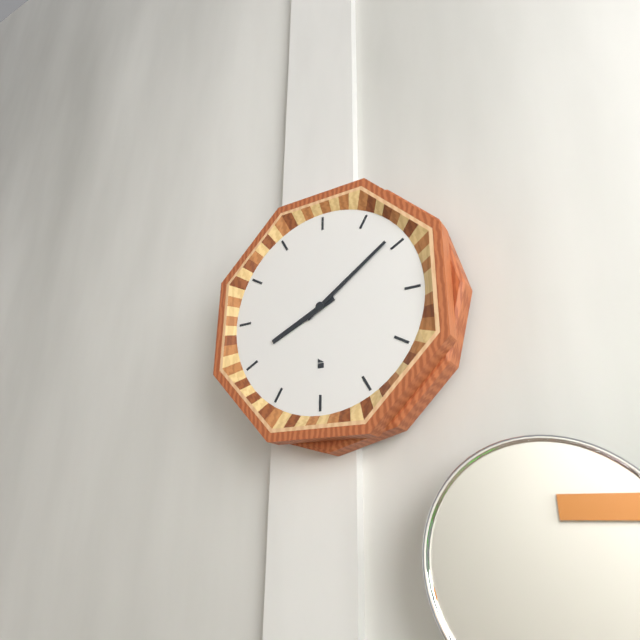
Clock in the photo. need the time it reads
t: 8:09
